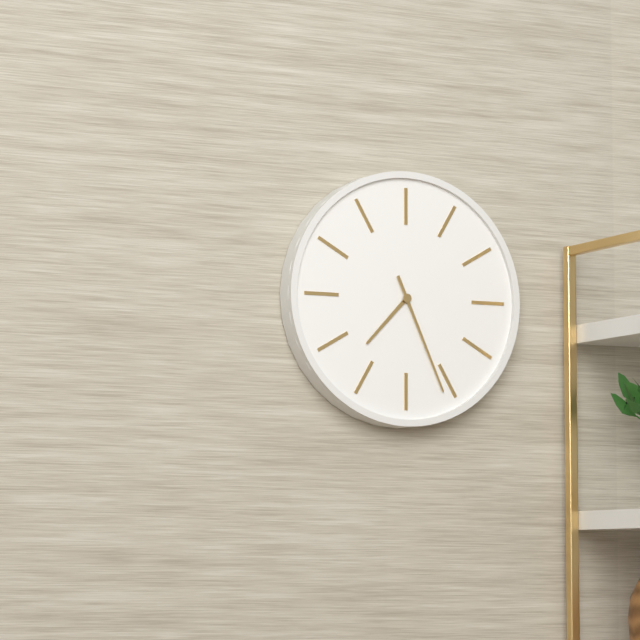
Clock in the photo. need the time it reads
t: 7:26
